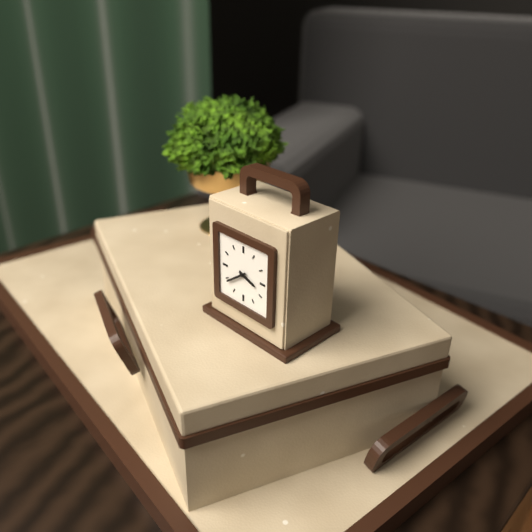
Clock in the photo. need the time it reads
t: 3:39
